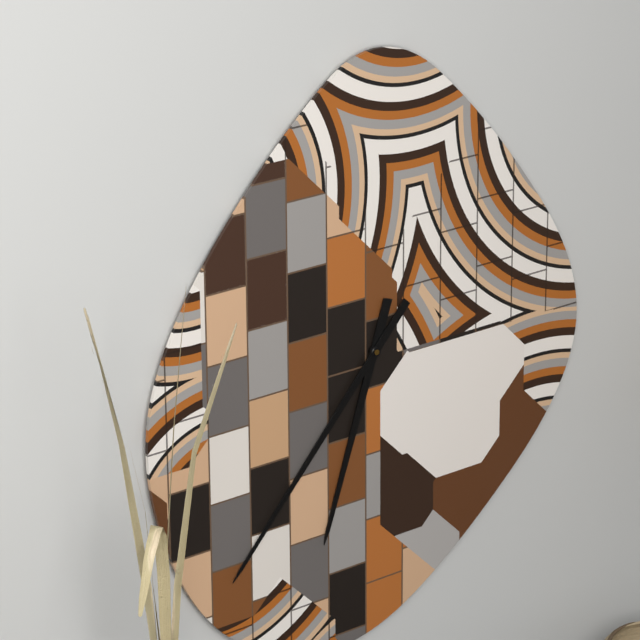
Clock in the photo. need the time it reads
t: 6:37
